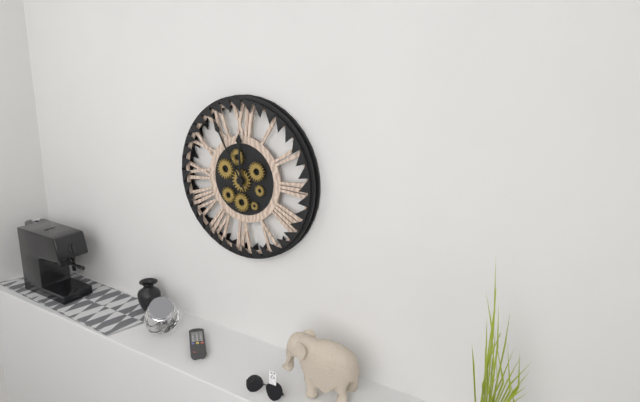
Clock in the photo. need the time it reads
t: 11:55
